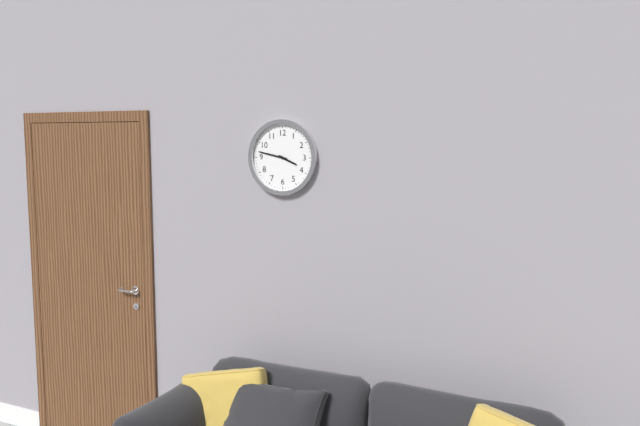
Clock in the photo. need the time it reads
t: 3:47
